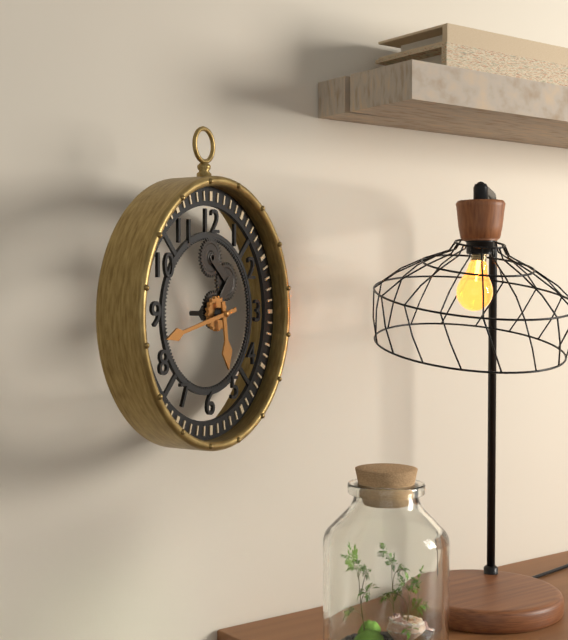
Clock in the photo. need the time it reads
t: 5:43
